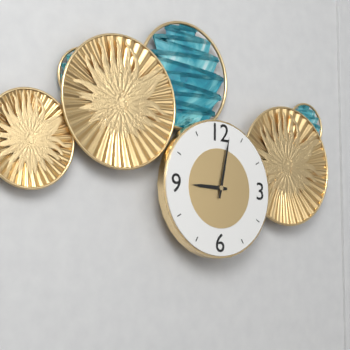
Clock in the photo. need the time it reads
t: 9:02
